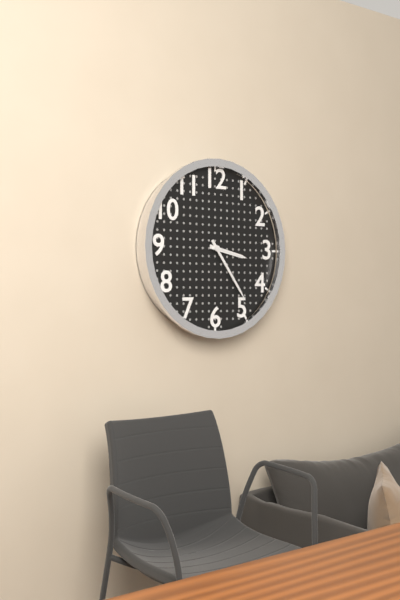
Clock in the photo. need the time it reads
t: 3:24
